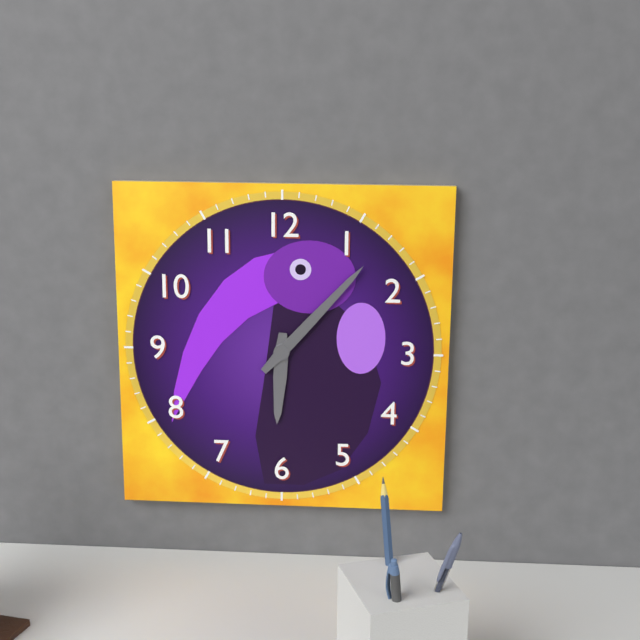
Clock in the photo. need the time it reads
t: 6:07
